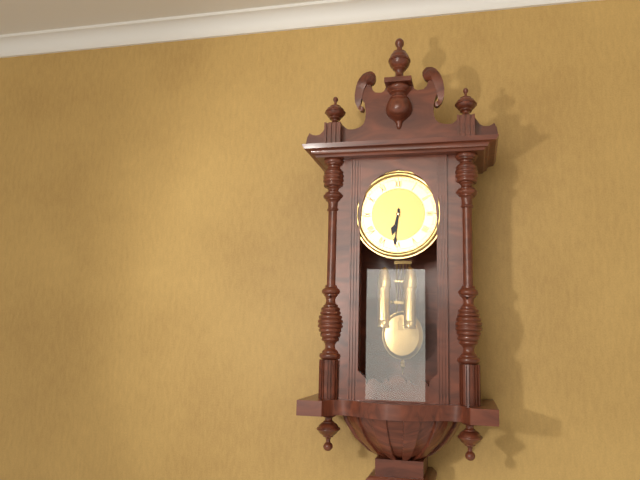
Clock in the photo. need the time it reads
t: 6:31
